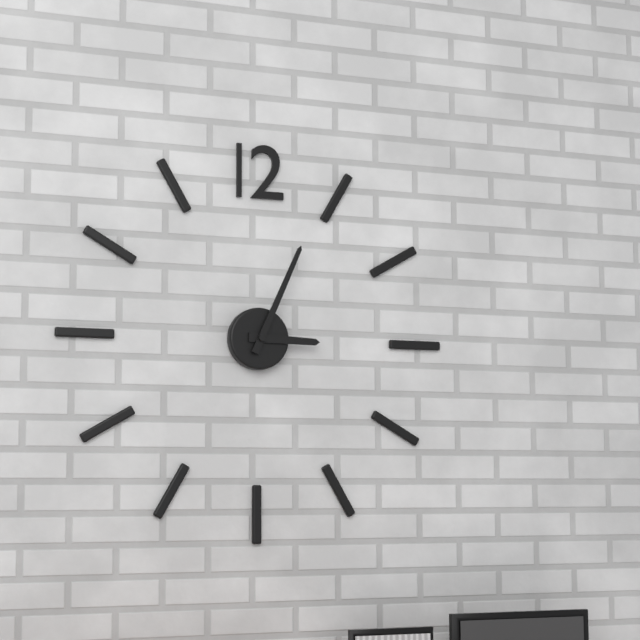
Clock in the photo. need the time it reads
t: 3:04
